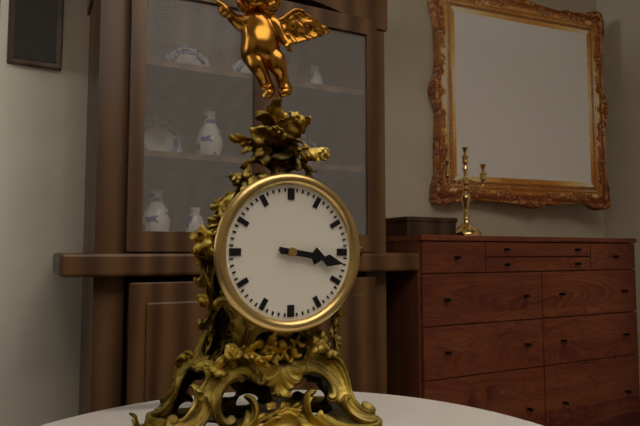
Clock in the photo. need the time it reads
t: 3:17
